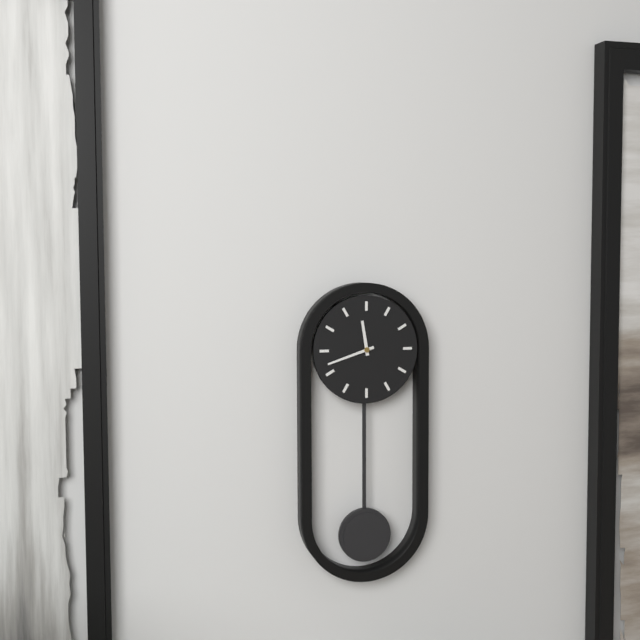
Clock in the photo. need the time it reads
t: 11:42
